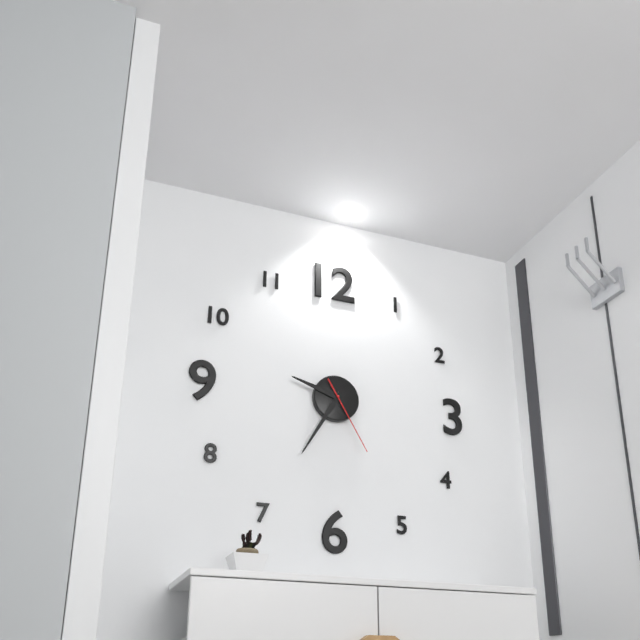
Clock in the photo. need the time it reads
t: 9:35:25
